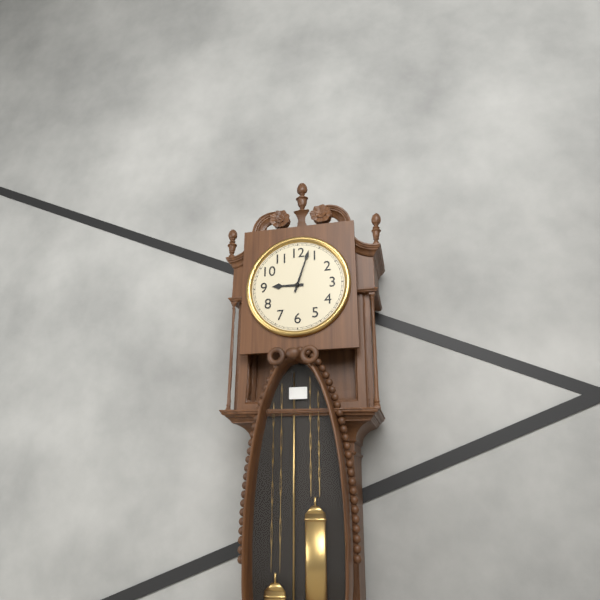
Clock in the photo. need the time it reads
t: 9:03
